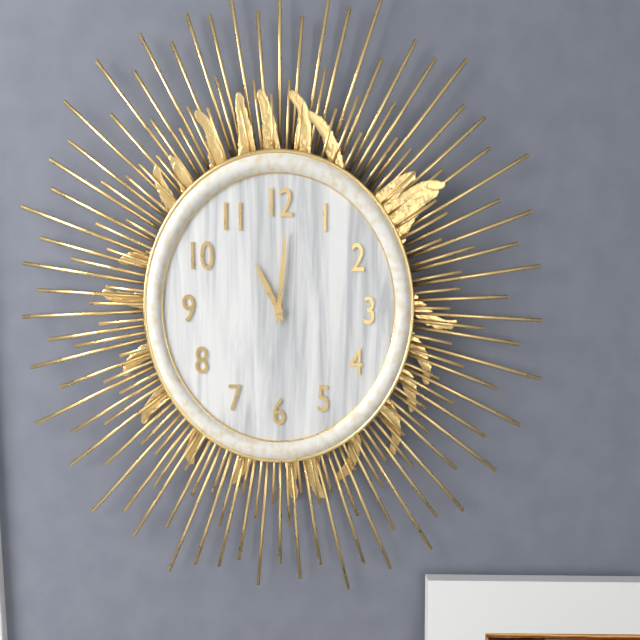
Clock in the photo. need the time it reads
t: 11:01
